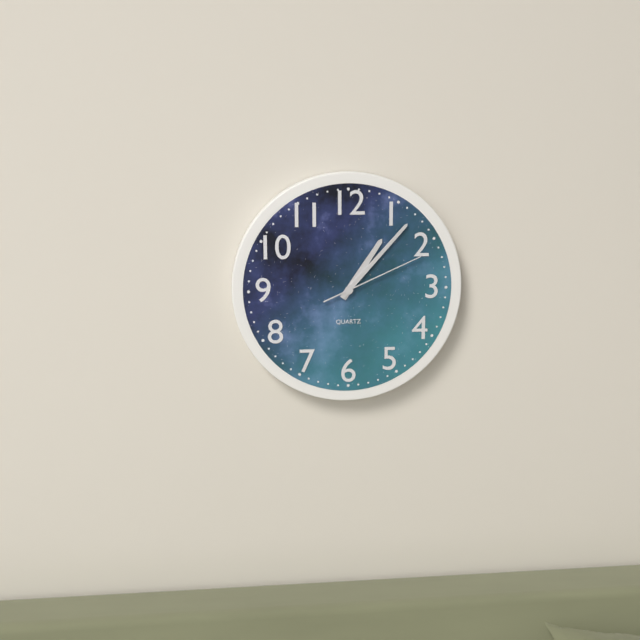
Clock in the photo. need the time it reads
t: 1:07:11
